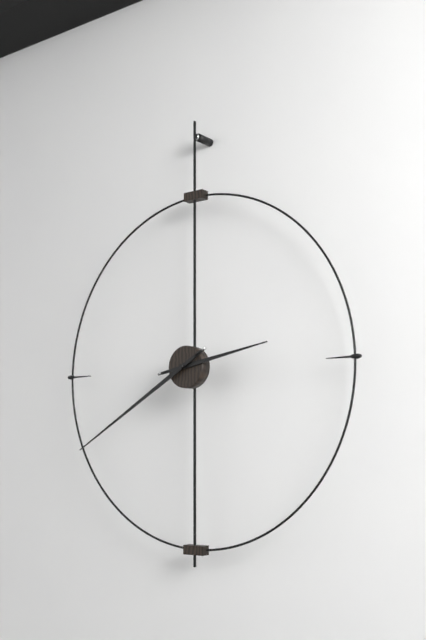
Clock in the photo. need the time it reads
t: 2:40
